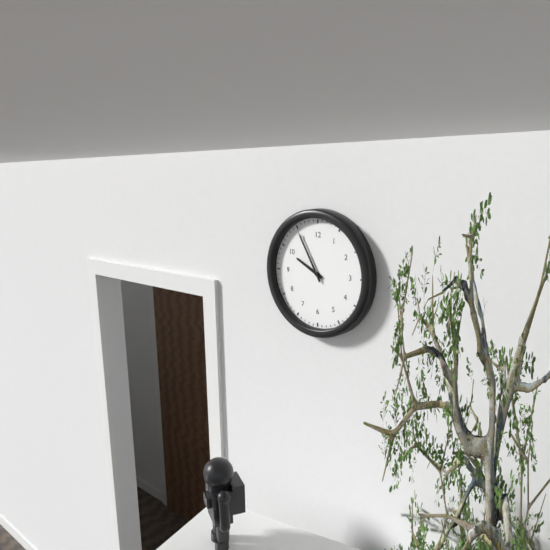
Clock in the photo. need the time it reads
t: 9:55
